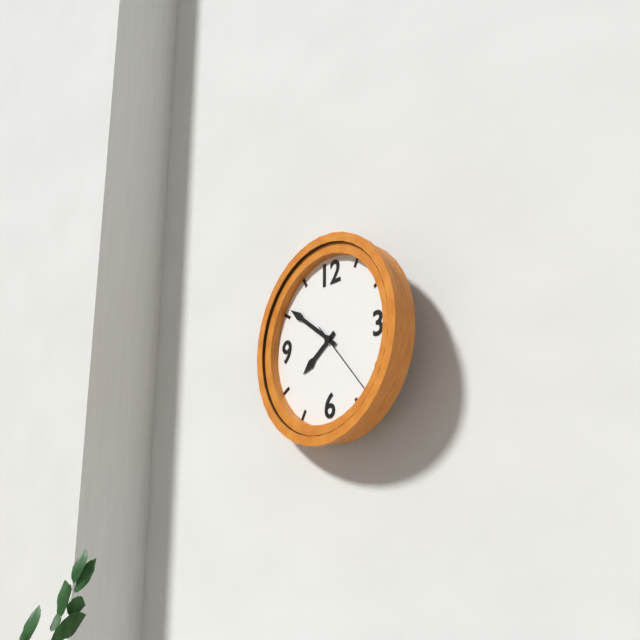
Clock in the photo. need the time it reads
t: 7:51:23
